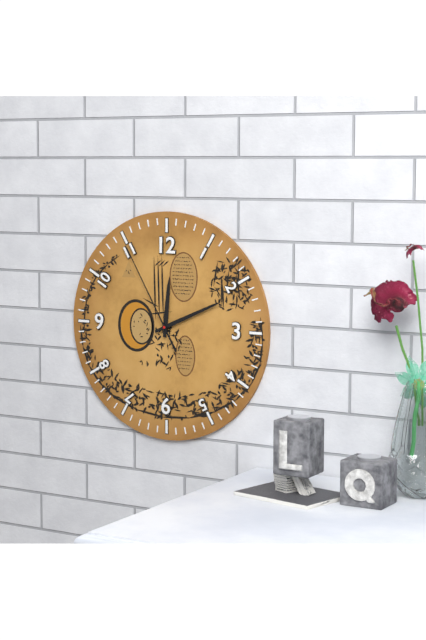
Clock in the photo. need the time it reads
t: 12:11:55
